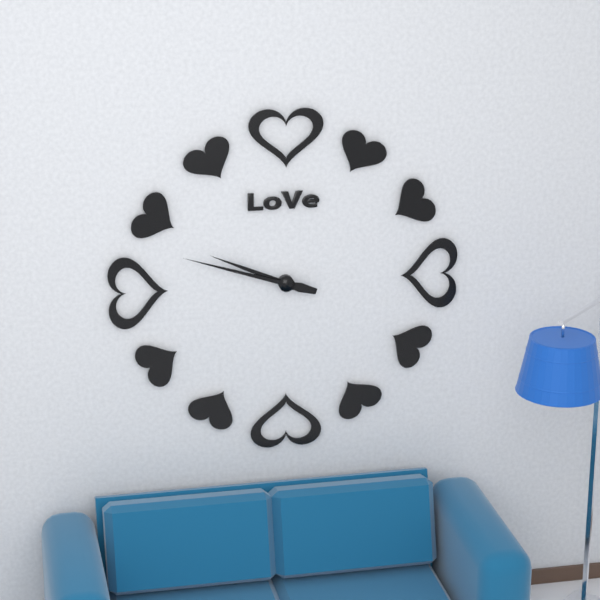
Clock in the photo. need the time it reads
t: 9:48
